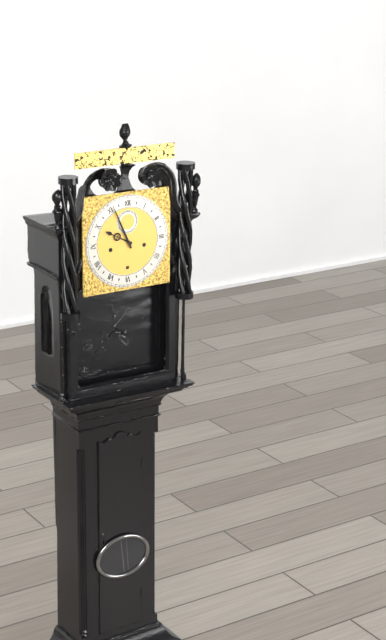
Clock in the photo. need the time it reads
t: 9:56
